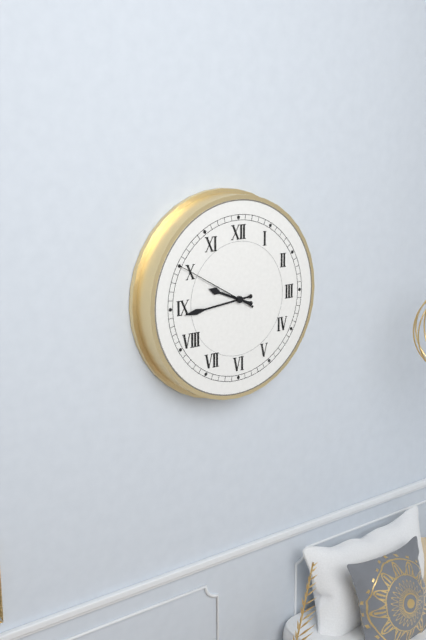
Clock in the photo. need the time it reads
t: 9:44:50
